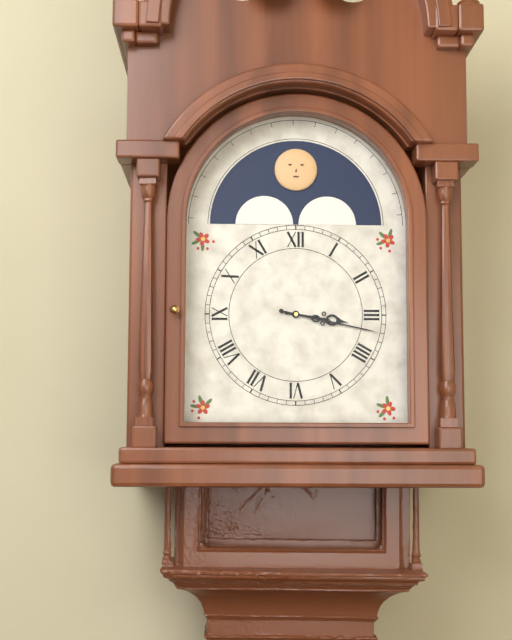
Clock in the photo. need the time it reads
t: 3:17
